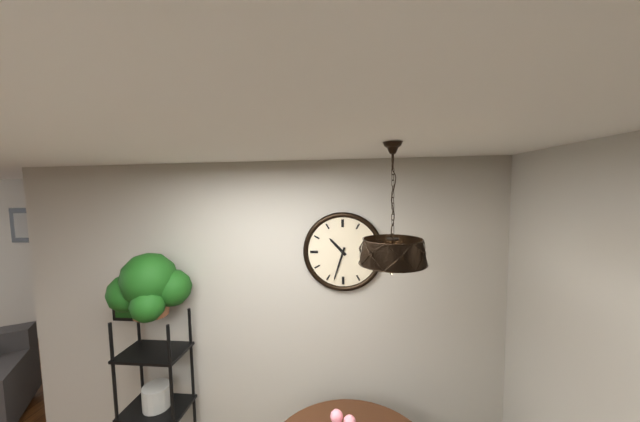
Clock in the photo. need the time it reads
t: 10:33
